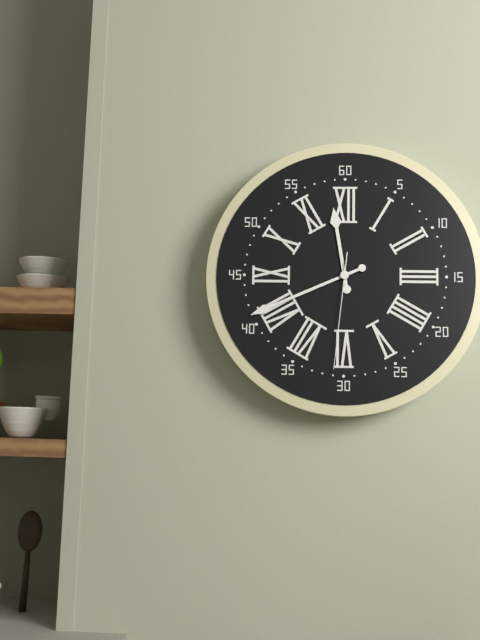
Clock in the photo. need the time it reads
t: 11:41:31
